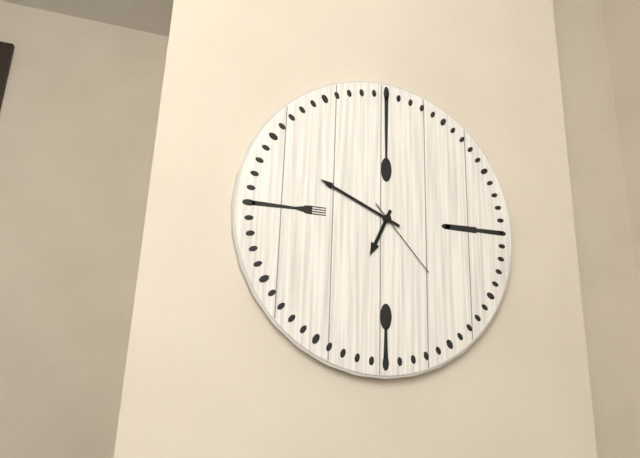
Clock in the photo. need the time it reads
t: 6:49:23
